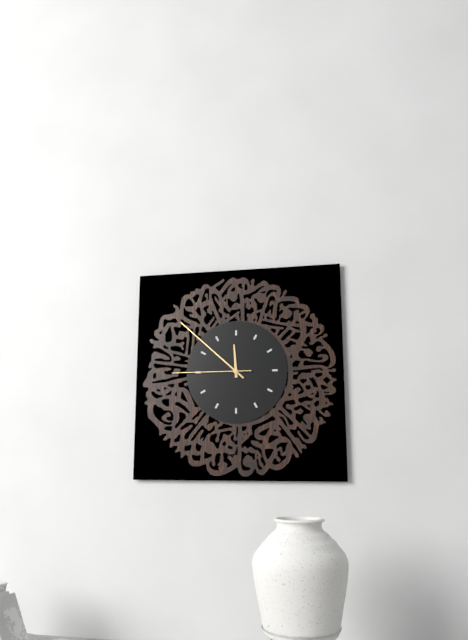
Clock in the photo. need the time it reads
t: 11:52:45
